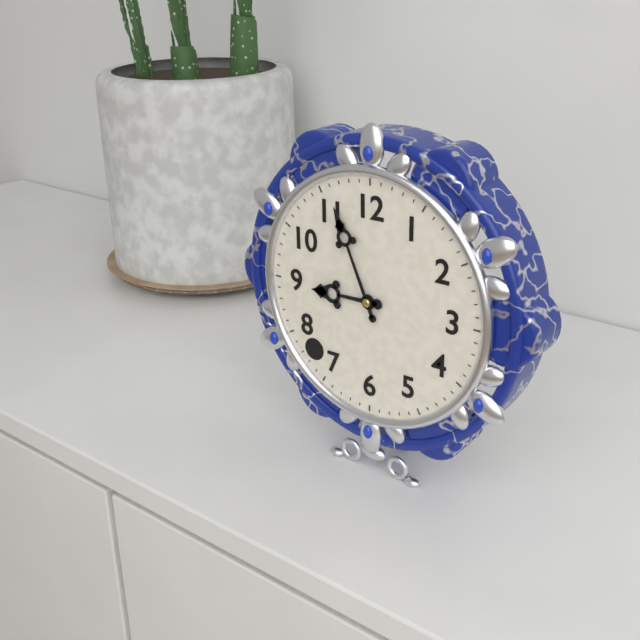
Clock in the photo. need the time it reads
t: 8:56
